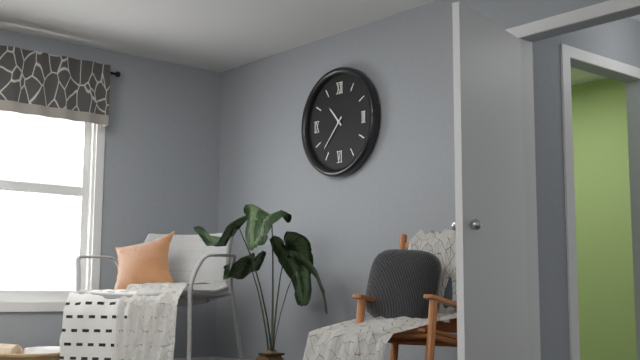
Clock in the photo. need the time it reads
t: 10:37
